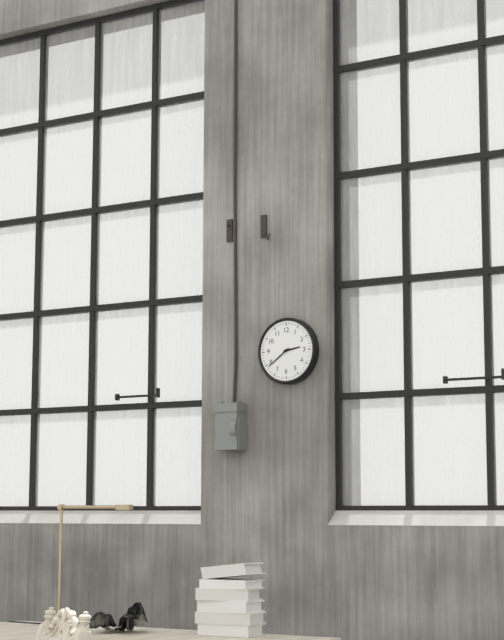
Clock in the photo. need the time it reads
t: 2:39
